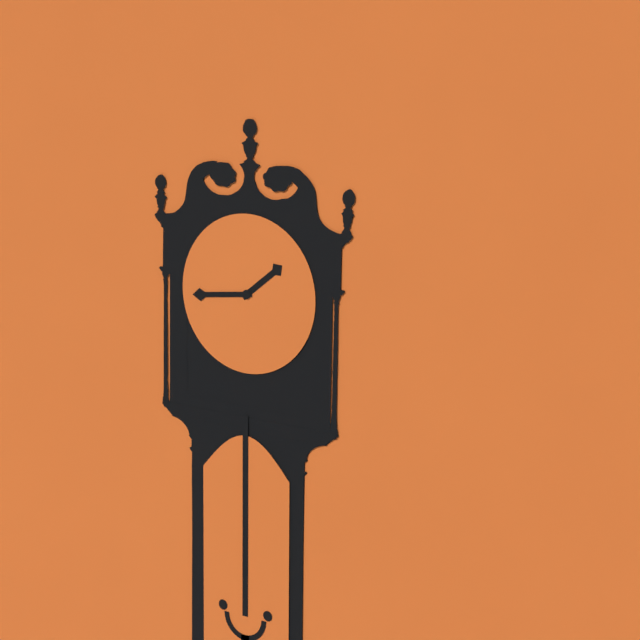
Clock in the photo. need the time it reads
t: 1:44
